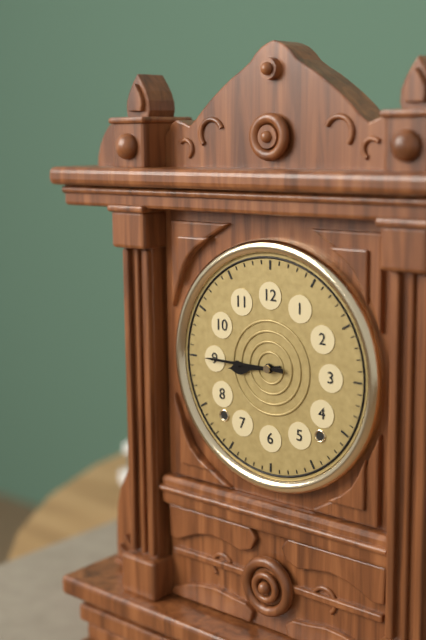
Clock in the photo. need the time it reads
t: 8:45
